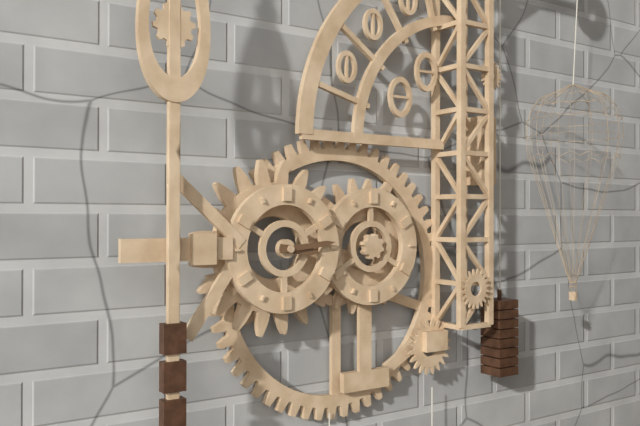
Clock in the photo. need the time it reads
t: 3:14
